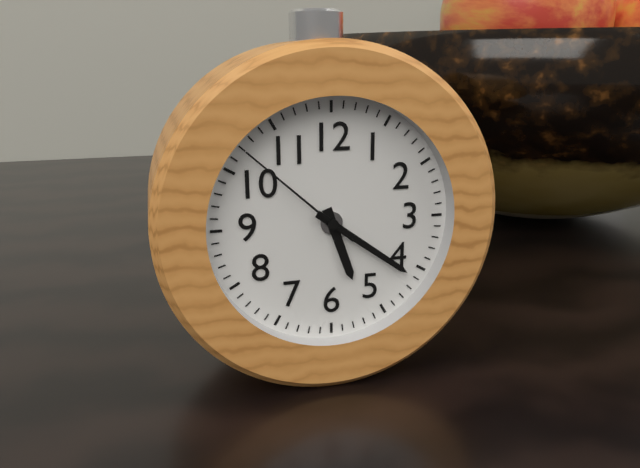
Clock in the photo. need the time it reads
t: 5:21:52
